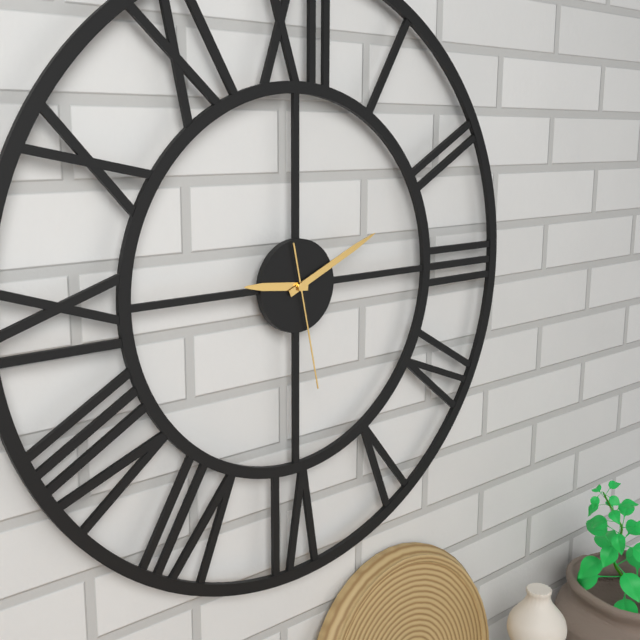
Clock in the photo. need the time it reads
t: 9:11:28
